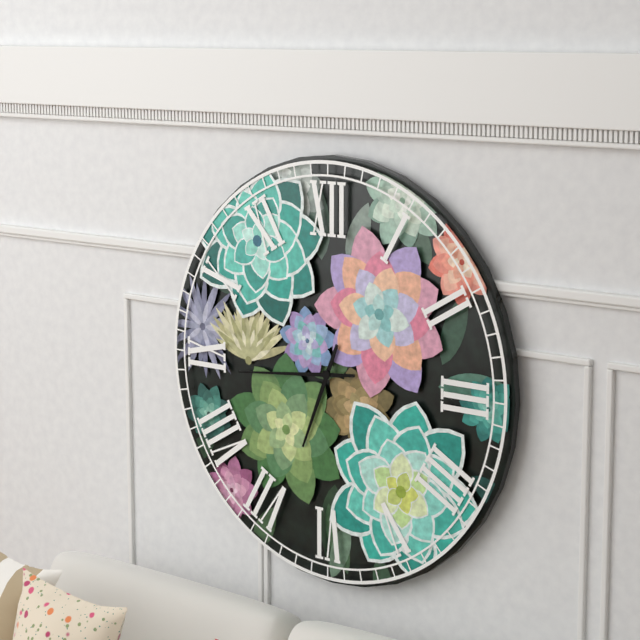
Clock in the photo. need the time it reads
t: 6:44
